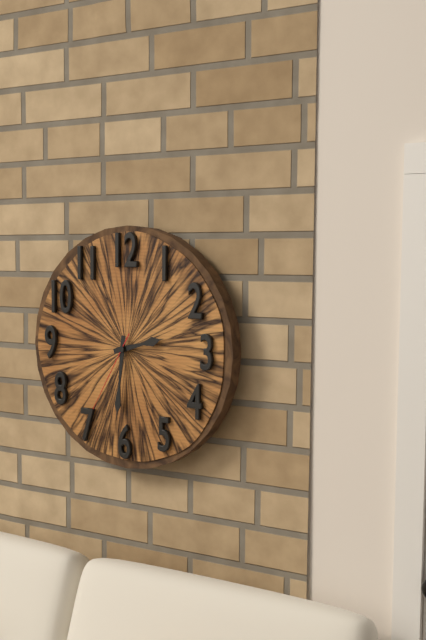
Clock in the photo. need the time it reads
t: 2:31:35
